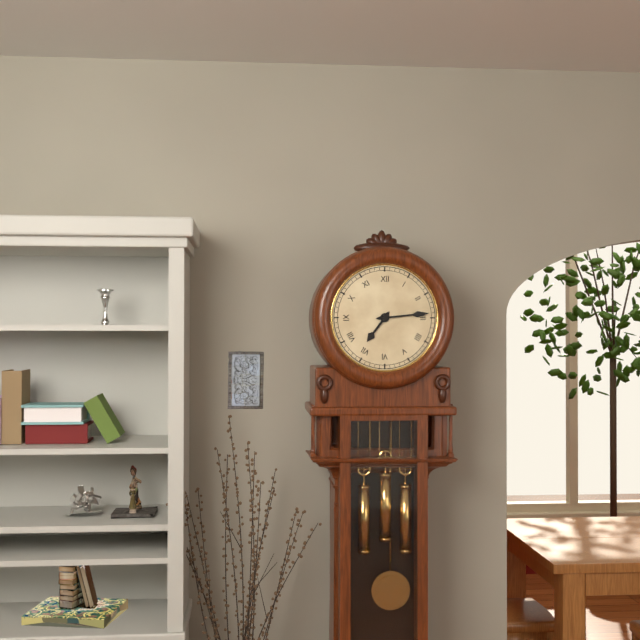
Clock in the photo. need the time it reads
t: 7:14
